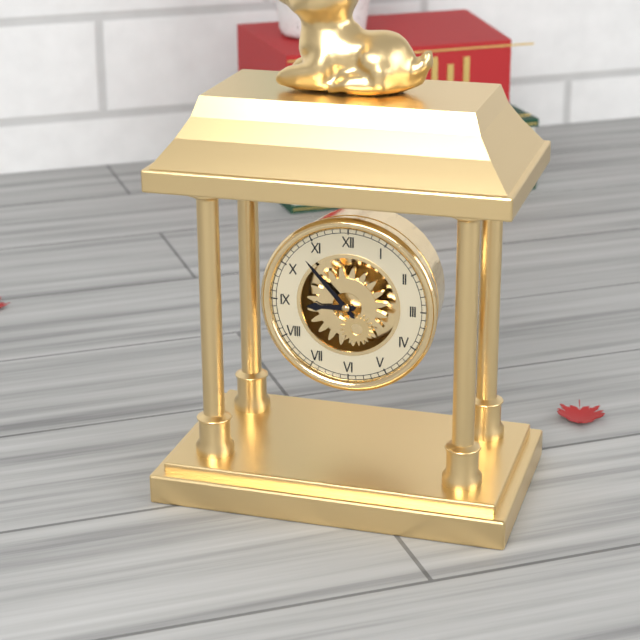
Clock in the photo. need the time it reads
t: 8:53
